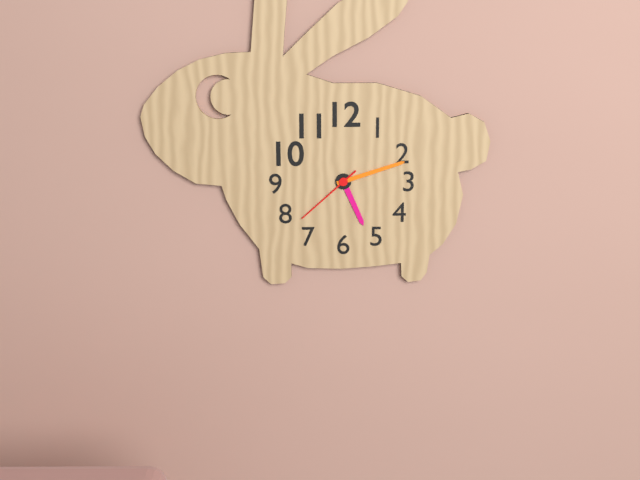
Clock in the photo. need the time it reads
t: 5:12:38
